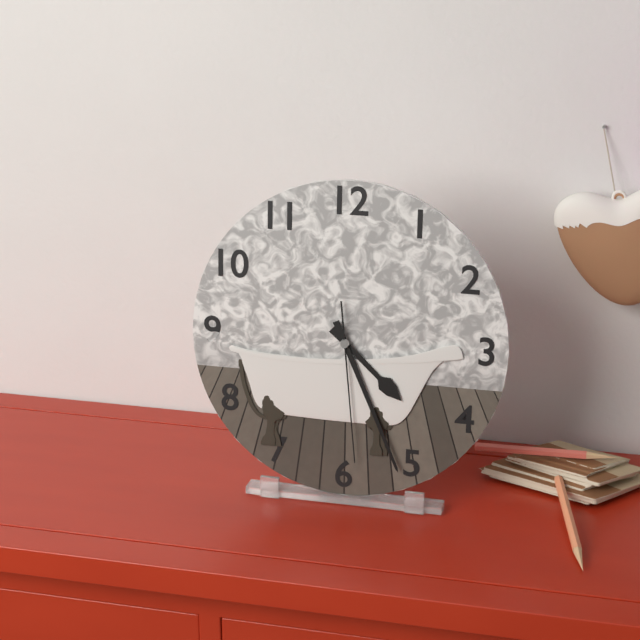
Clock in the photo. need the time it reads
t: 4:26:29
